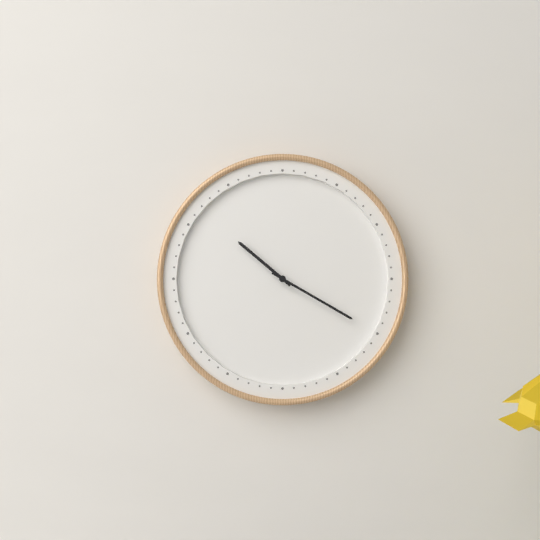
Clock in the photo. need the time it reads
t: 10:20
